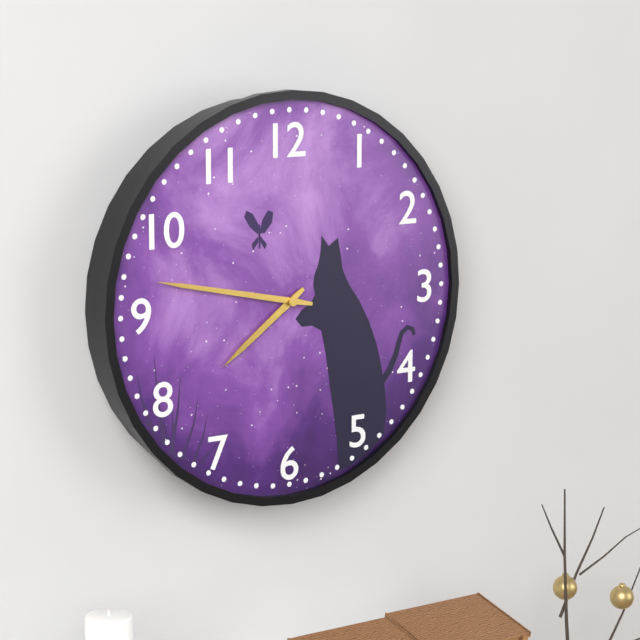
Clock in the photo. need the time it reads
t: 7:47
